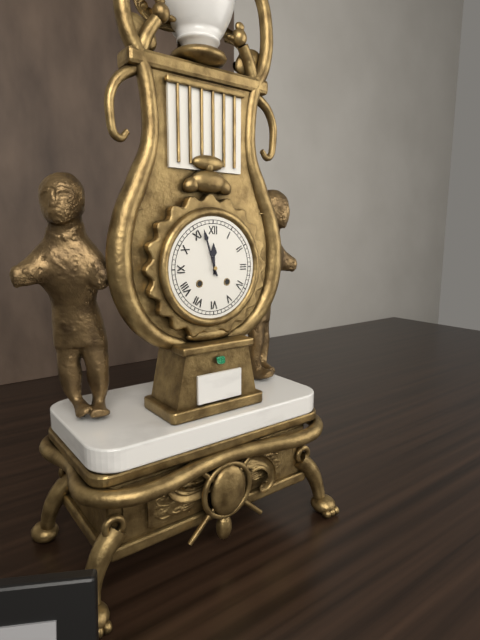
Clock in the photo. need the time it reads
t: 11:57
